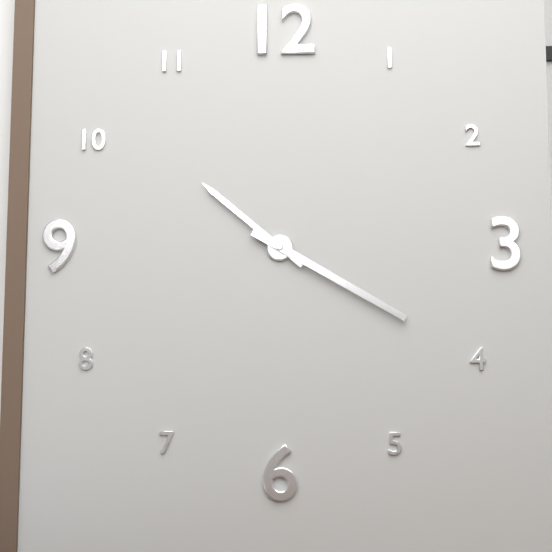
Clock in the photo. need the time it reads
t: 10:20
